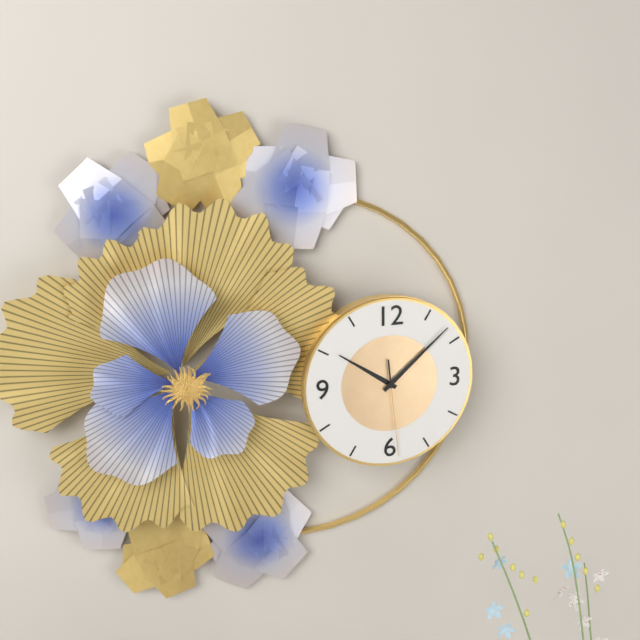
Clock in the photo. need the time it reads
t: 10:08:29
